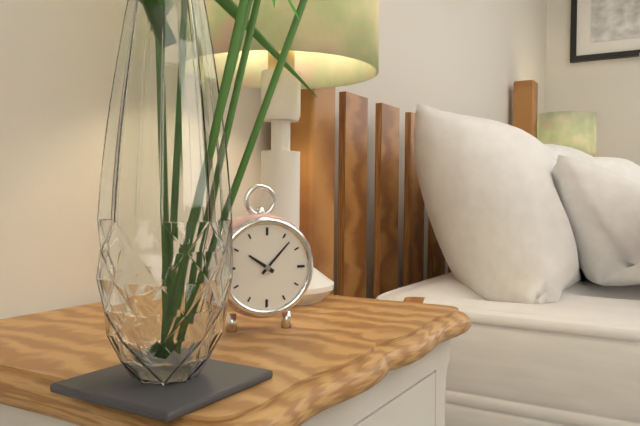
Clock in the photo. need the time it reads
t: 10:07
